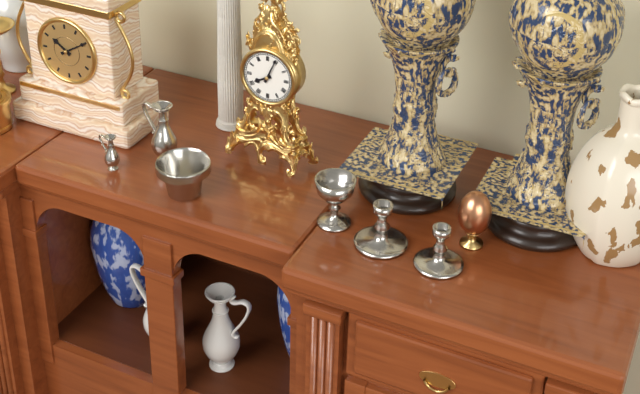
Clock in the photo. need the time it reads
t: 8:04
